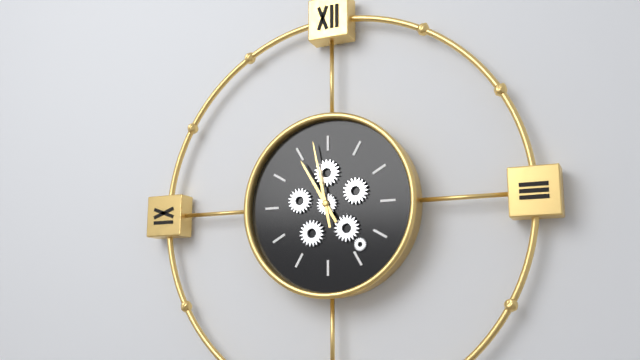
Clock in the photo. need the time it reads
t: 10:58
